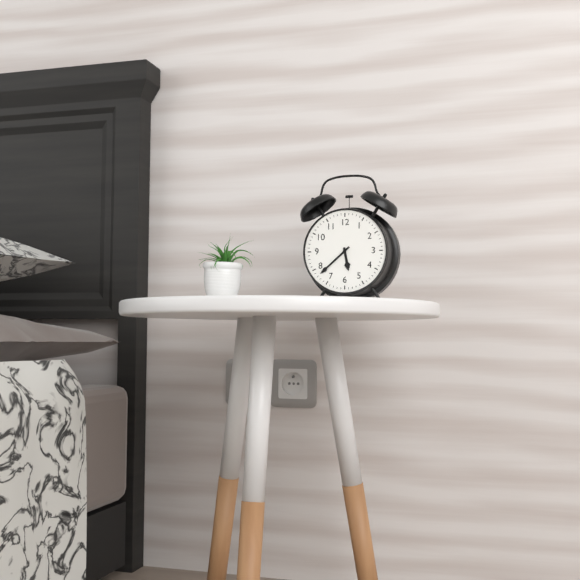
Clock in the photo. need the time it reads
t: 5:38
